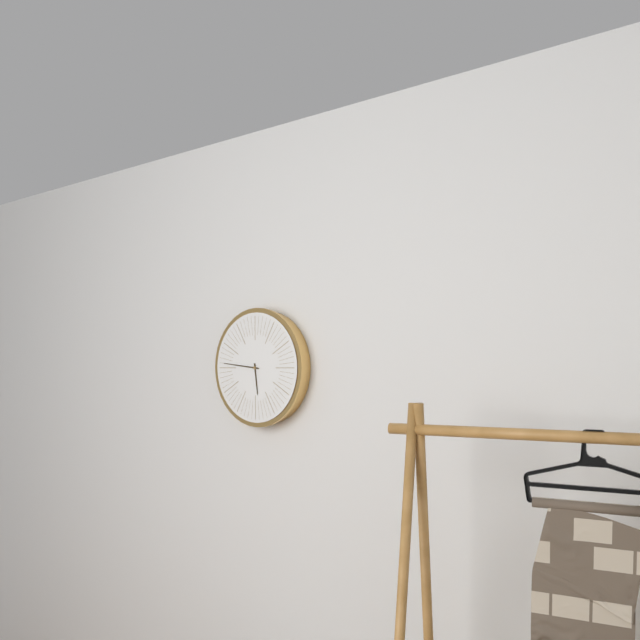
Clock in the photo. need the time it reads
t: 5:46
